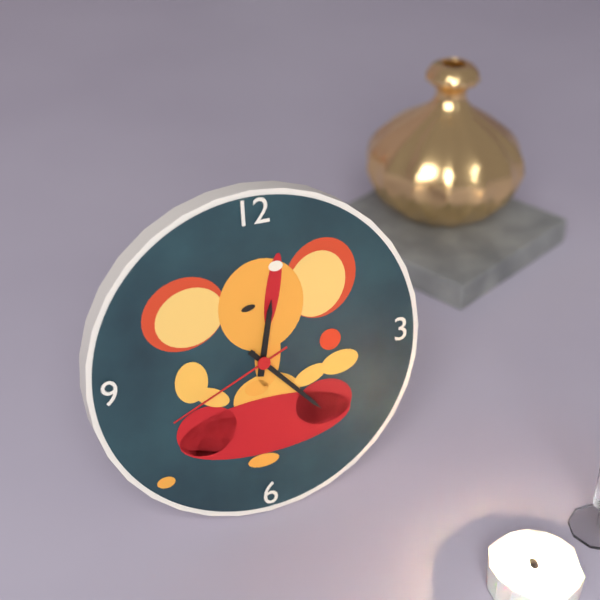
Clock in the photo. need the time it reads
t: 12:23:41
